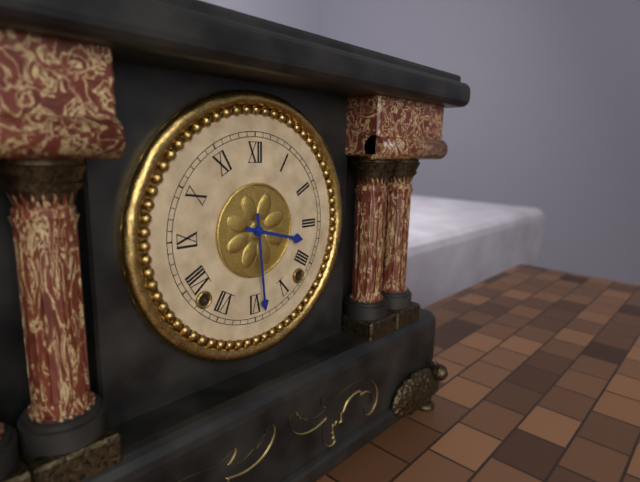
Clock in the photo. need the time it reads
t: 3:29
